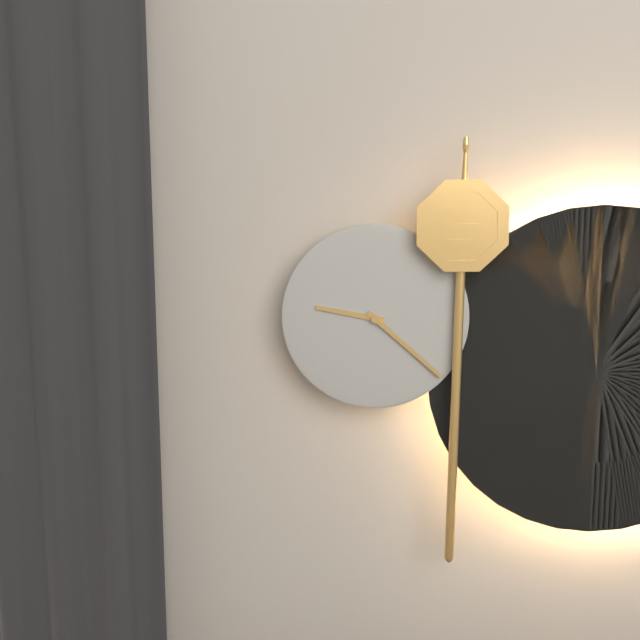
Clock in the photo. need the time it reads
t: 9:22
